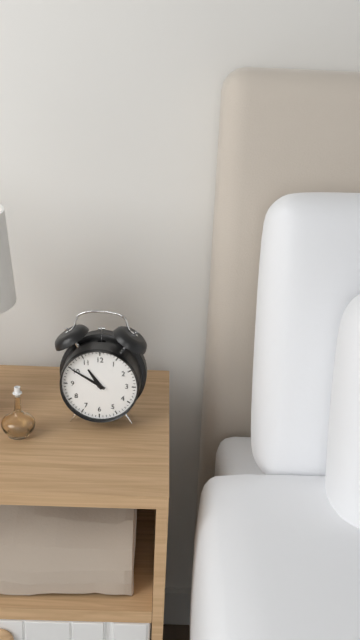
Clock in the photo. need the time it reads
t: 10:50
